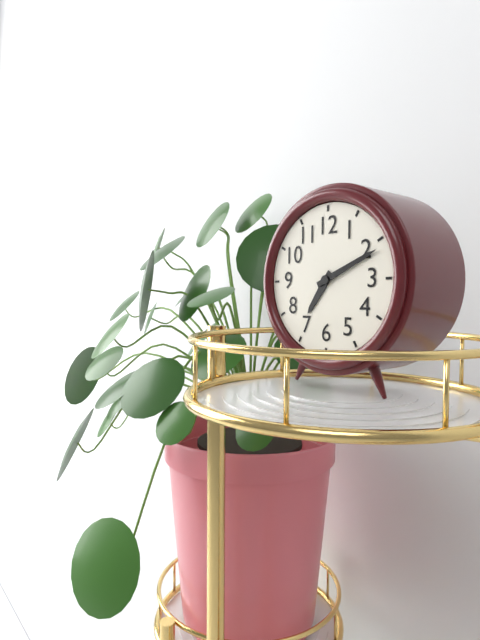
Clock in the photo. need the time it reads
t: 7:11
